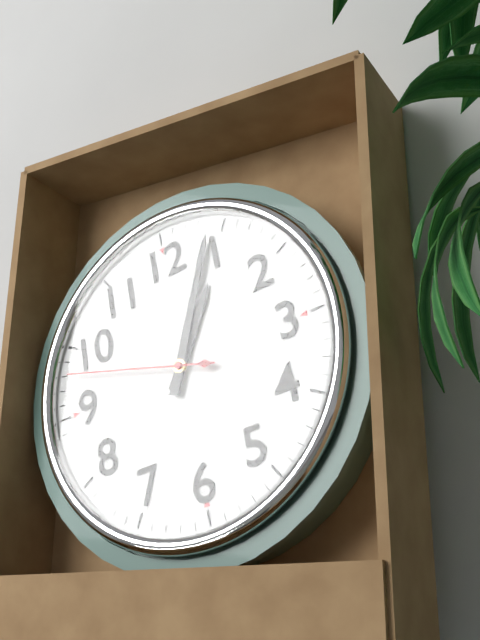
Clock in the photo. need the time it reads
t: 1:04:48
